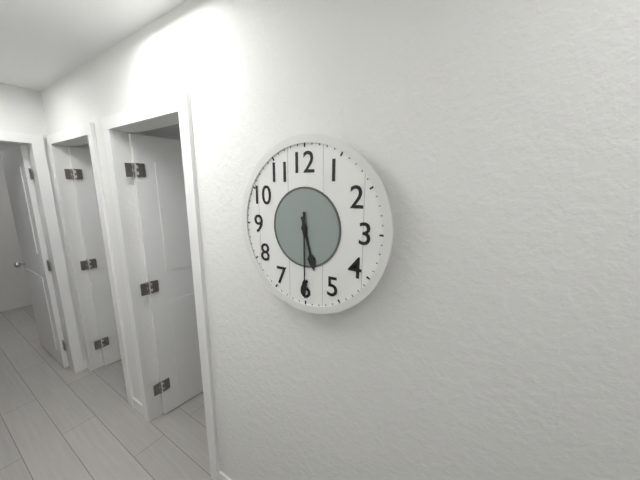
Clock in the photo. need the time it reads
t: 5:30
